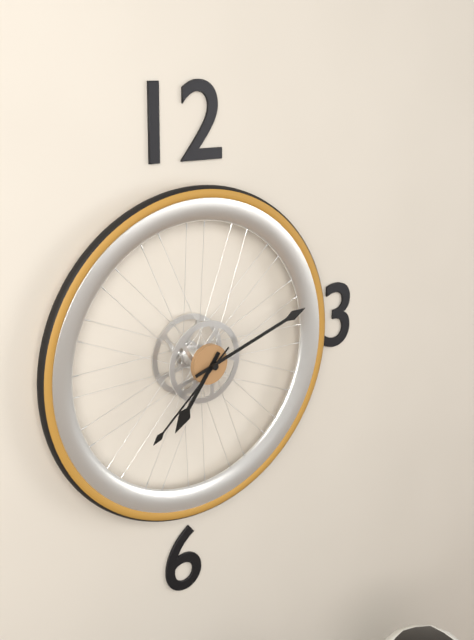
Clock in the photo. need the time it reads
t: 7:12:38
